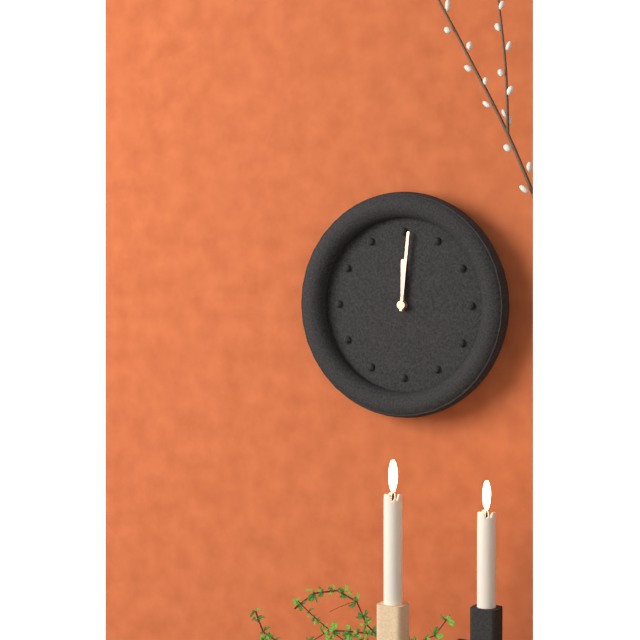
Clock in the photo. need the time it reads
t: 12:01
